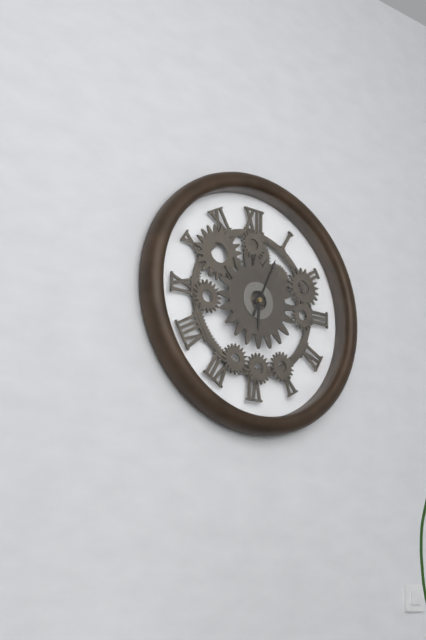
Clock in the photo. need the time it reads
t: 6:04
